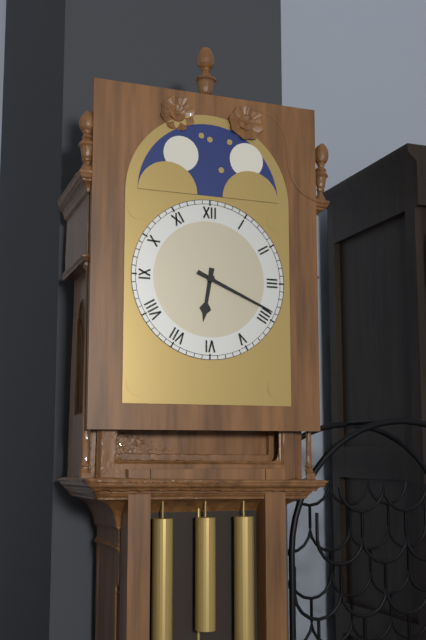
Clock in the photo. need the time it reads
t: 6:19
